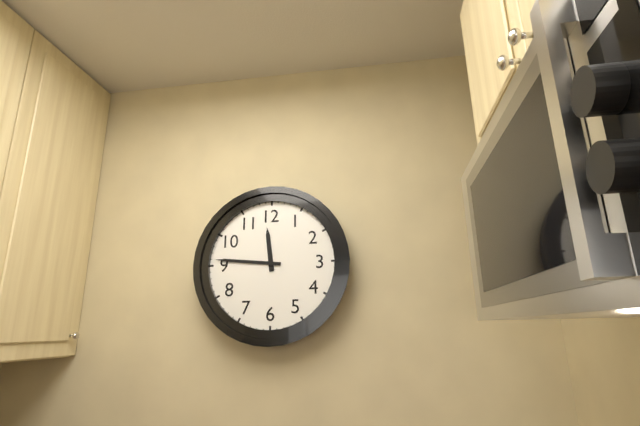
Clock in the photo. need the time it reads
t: 11:46
